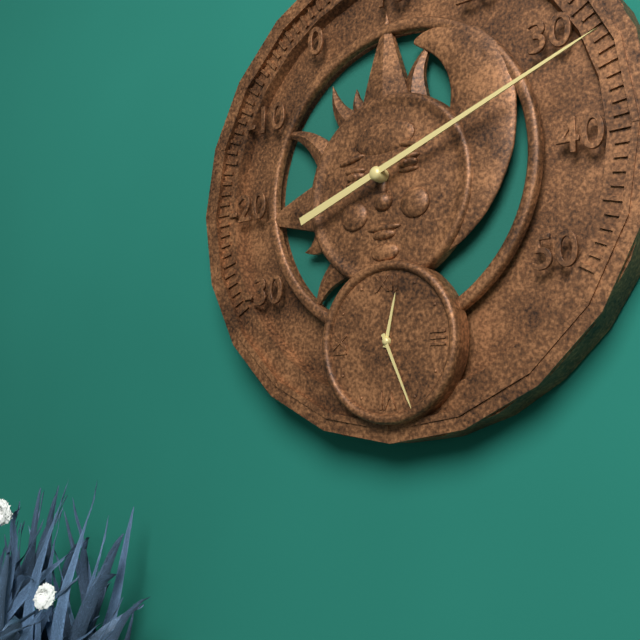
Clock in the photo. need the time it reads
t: 12:26
